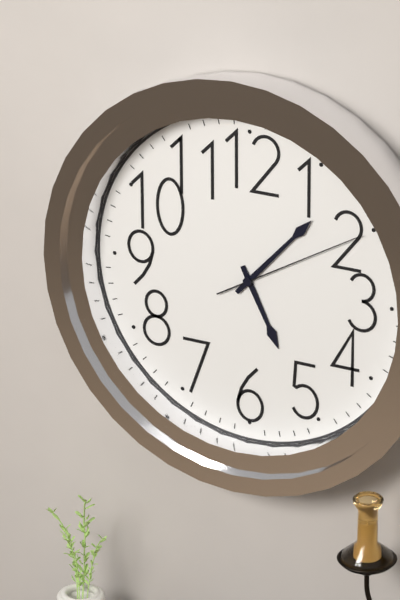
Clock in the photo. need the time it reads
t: 5:07:10
